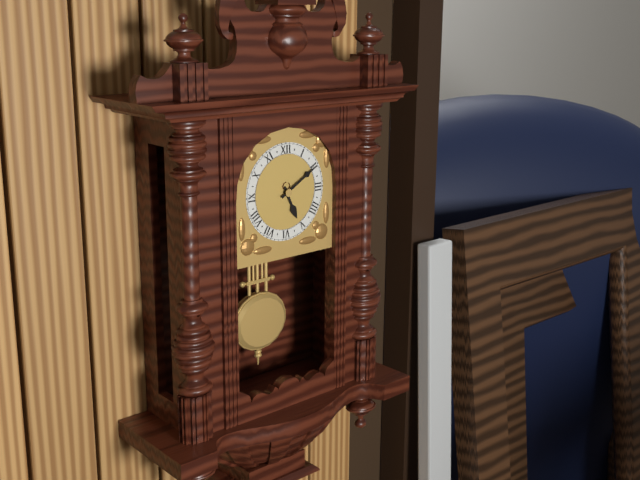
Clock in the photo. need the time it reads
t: 5:10
